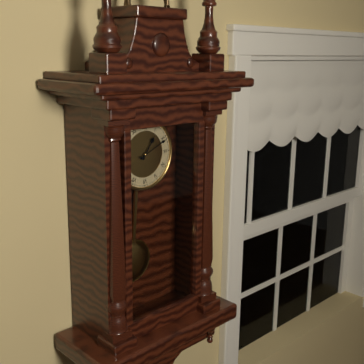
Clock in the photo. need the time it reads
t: 1:11
